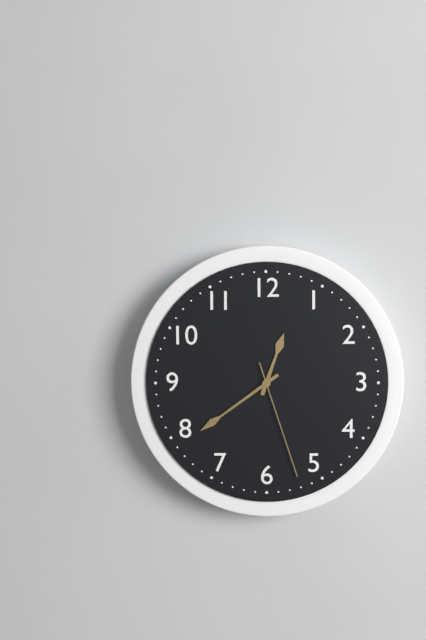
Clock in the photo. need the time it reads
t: 12:39:27
